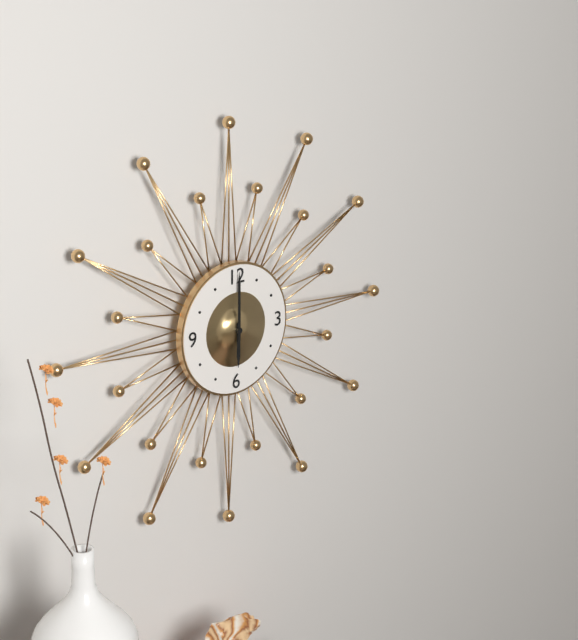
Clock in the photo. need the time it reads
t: 6:00
